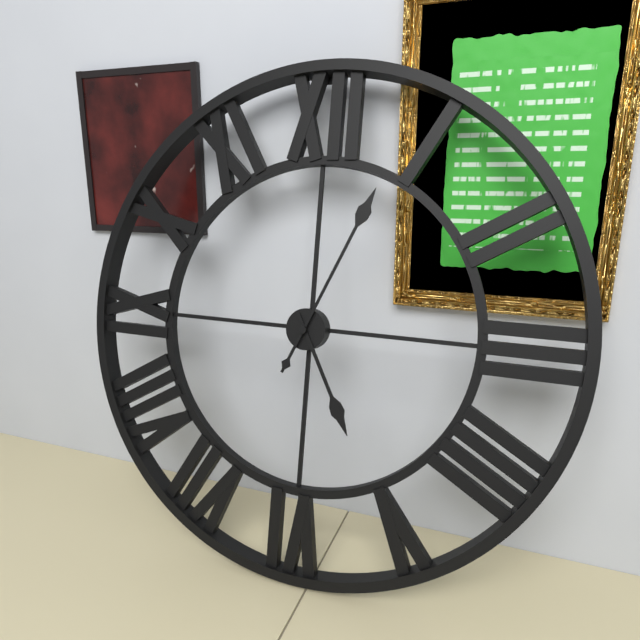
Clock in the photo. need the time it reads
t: 5:04
